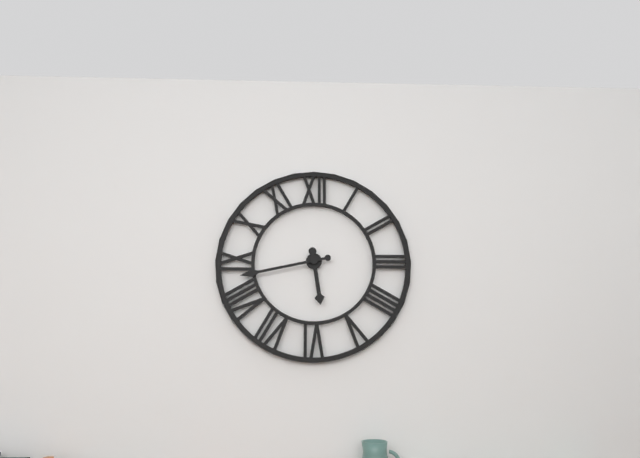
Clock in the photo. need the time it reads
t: 5:43
